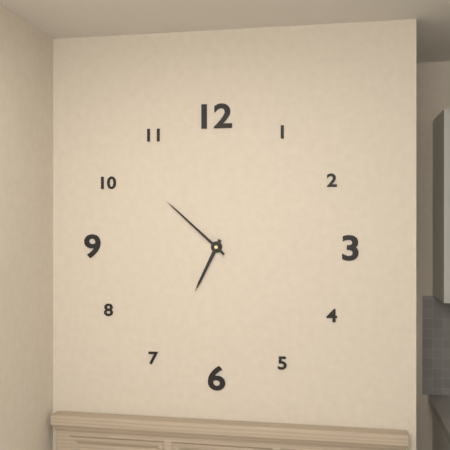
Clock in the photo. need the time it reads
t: 6:52
